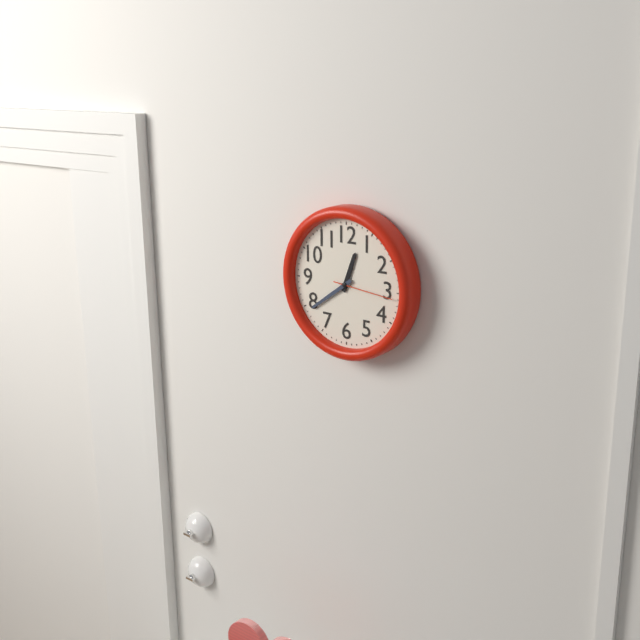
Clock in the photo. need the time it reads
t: 12:39
